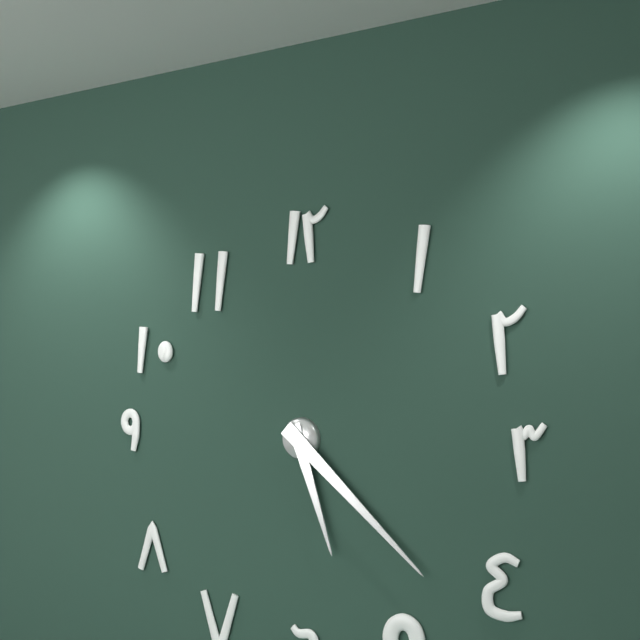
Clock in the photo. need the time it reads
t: 5:22
